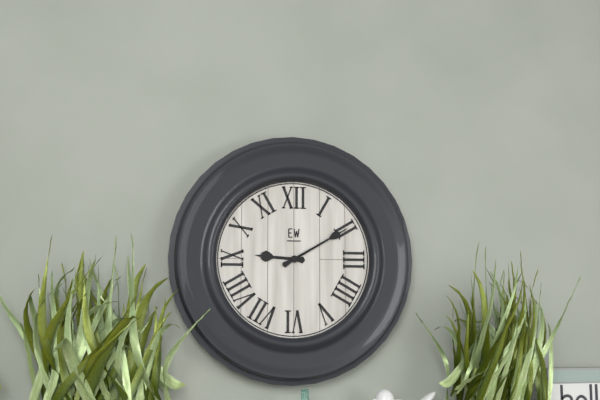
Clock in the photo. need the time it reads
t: 9:10
